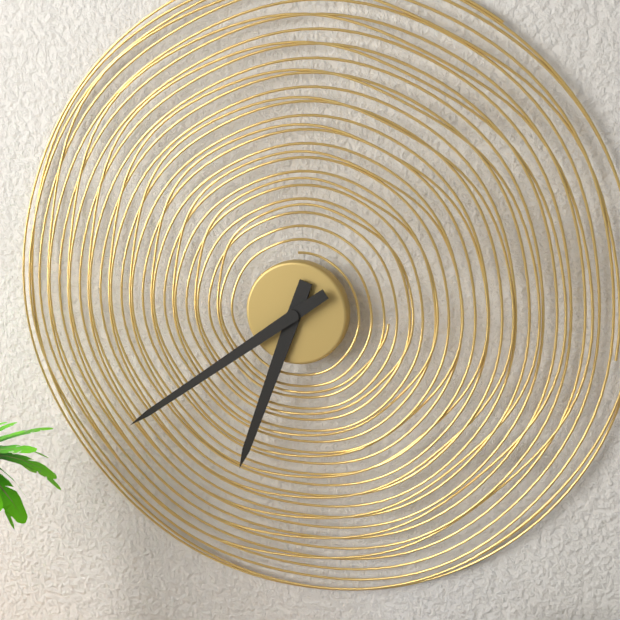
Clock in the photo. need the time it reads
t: 6:39
